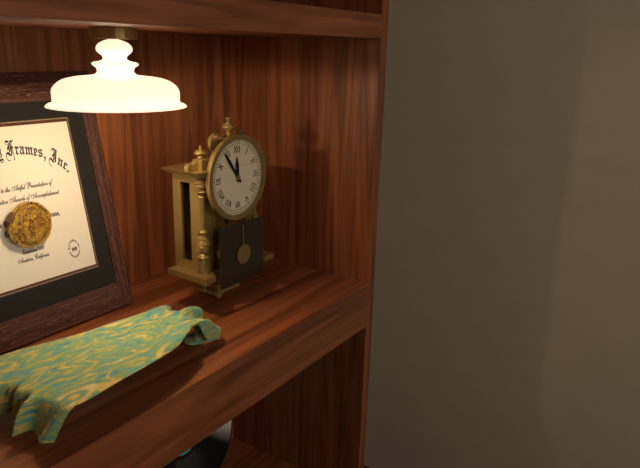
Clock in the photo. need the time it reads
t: 11:54
